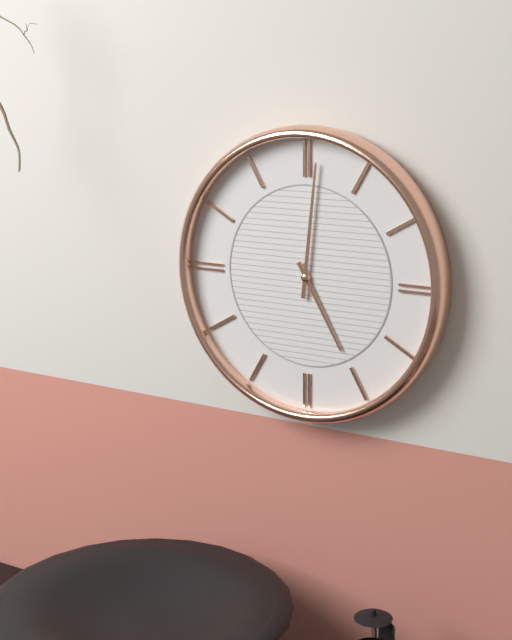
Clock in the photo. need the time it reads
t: 5:01
